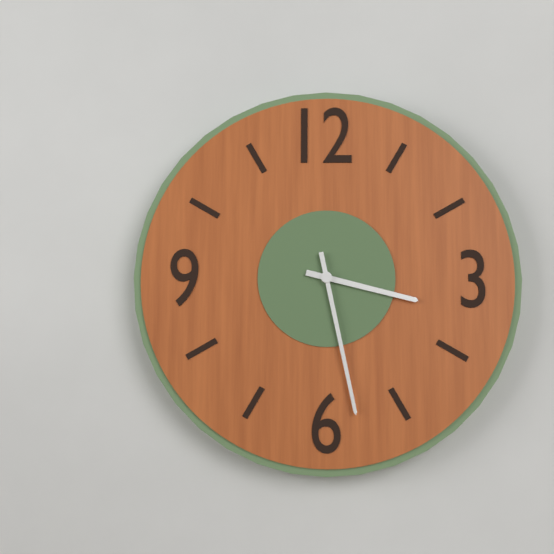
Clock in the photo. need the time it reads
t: 3:28
